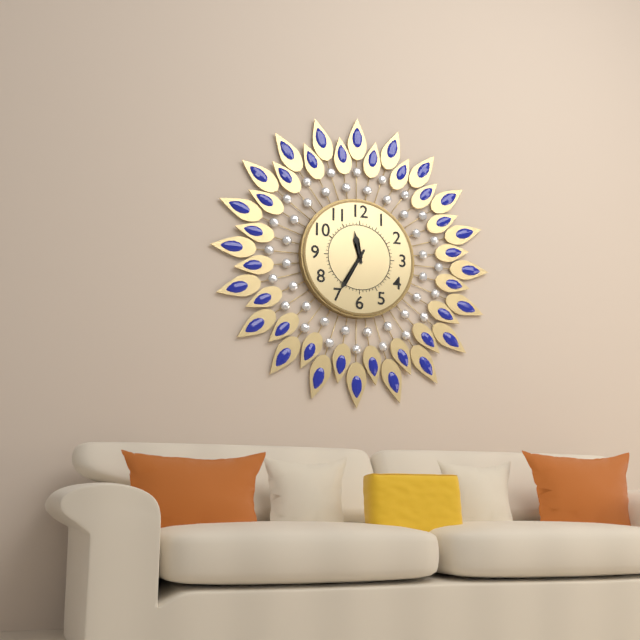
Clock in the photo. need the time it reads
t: 11:35
